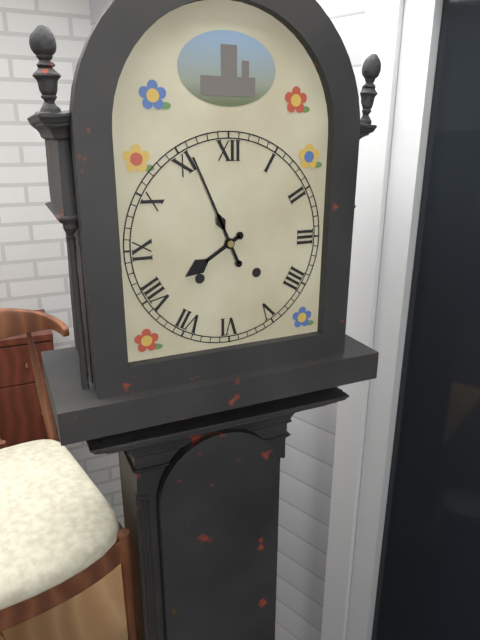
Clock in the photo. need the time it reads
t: 7:56
